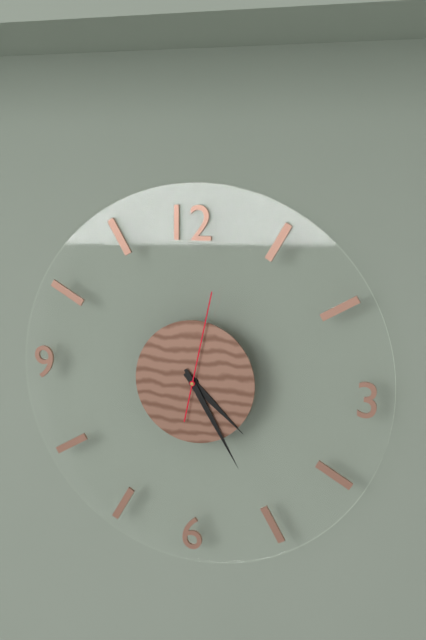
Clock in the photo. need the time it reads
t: 4:25:02
